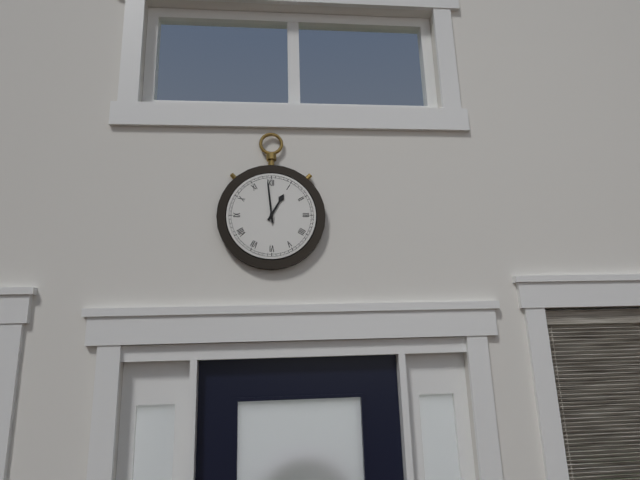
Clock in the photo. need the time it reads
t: 12:59
